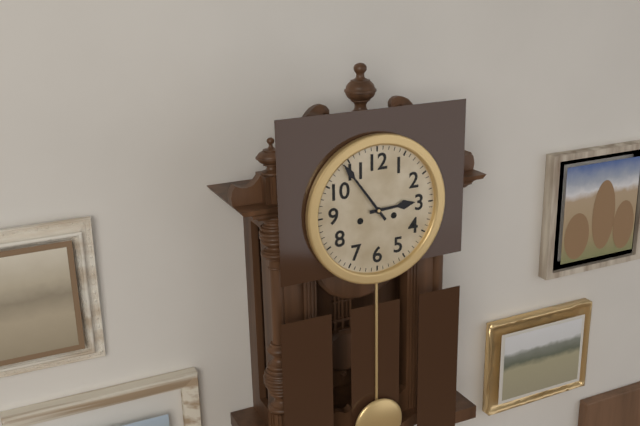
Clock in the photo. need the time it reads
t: 2:54
